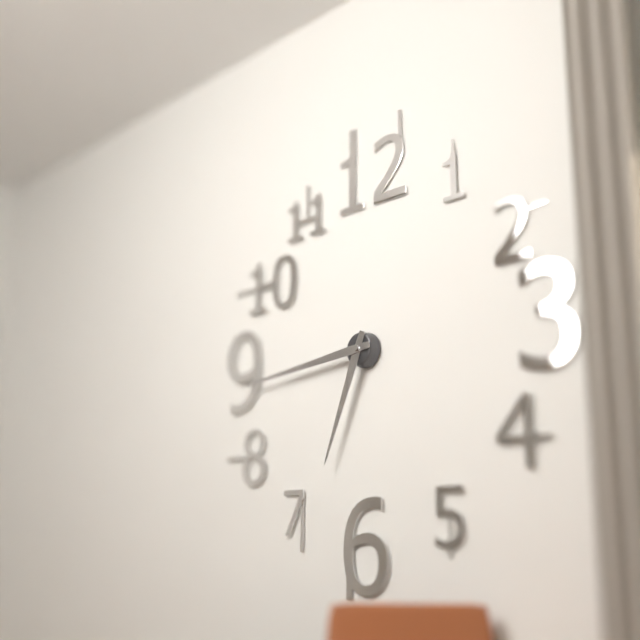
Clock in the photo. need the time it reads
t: 6:44
